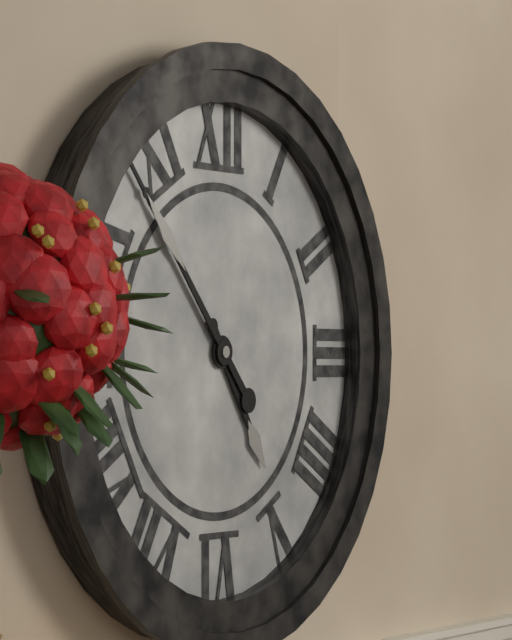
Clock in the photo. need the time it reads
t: 4:53
